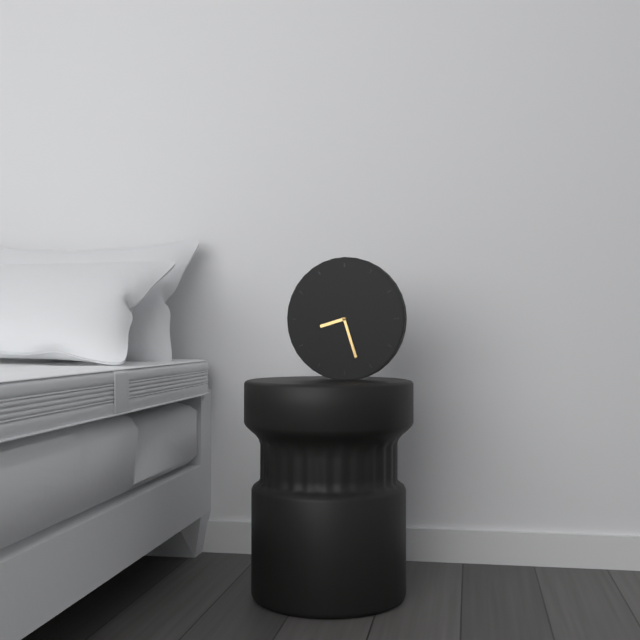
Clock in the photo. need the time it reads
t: 8:27
